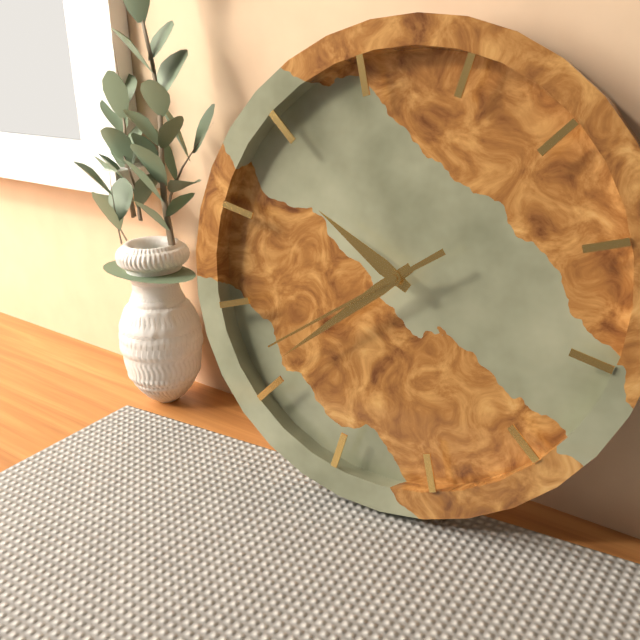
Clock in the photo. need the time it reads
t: 9:36:37
